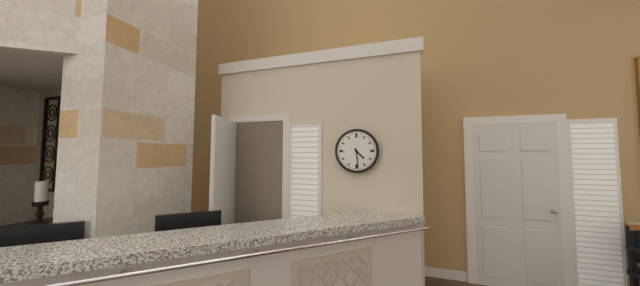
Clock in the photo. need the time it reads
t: 4:29
